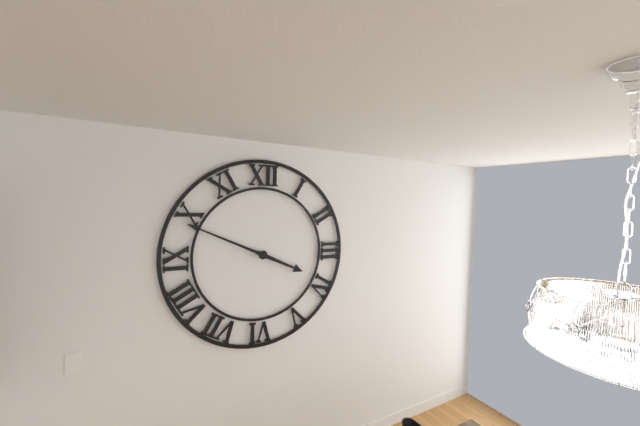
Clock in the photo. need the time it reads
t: 3:49
